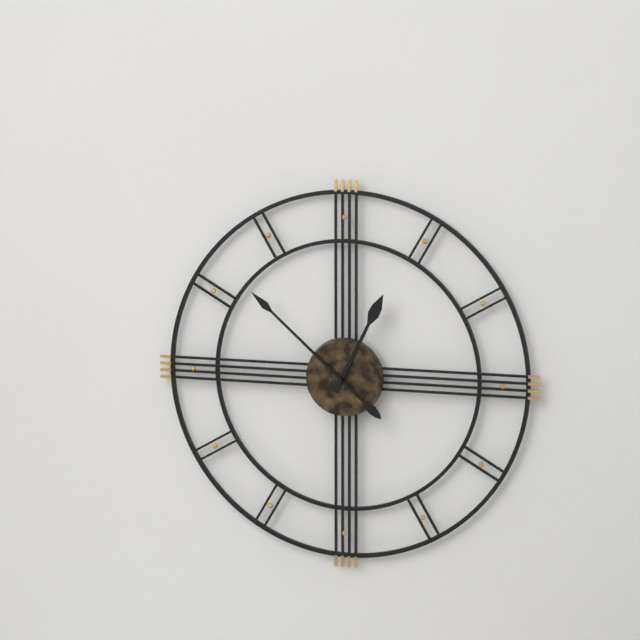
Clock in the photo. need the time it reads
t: 12:52
